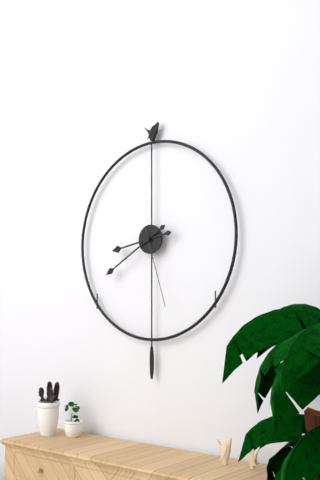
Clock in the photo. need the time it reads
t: 8:40:27
